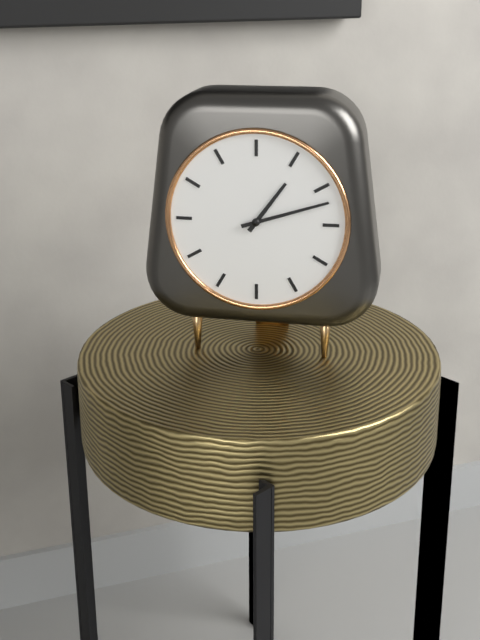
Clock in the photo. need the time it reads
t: 1:12
